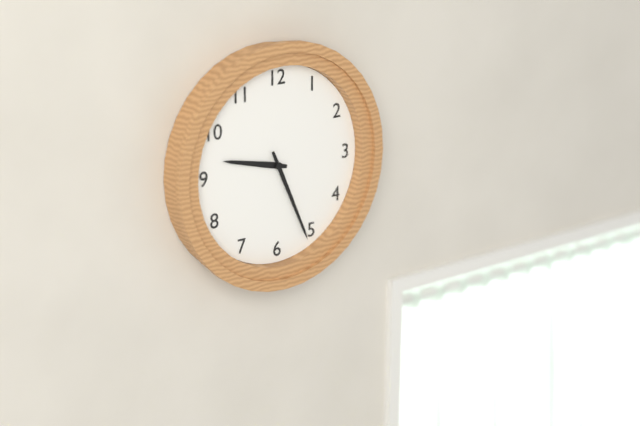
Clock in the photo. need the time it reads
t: 9:26
